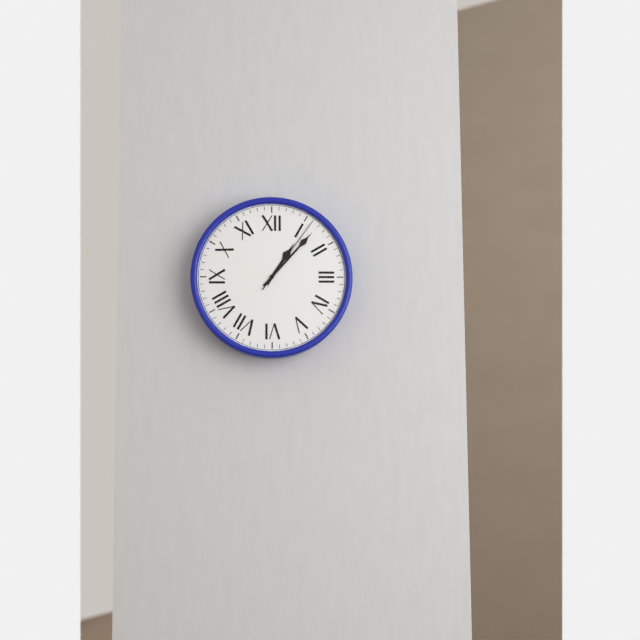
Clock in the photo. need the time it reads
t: 1:07:06
